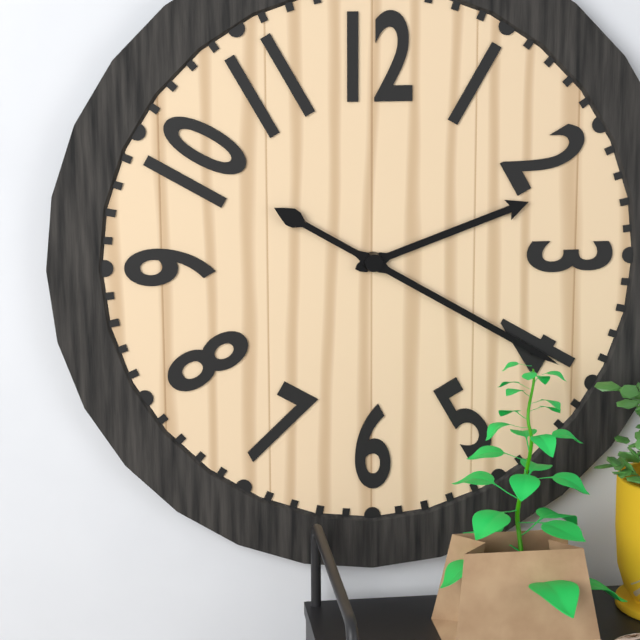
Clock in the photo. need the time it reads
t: 2:20
